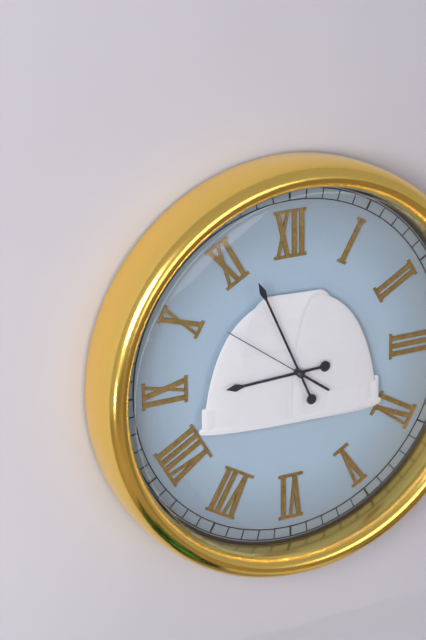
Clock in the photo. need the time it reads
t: 8:56:51
